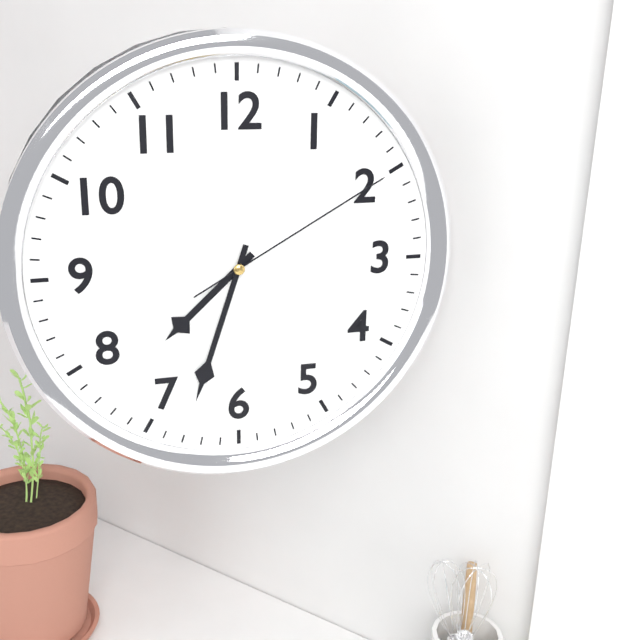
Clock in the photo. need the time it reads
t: 7:33:10
